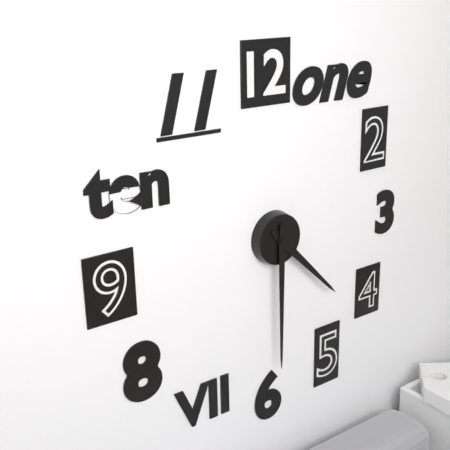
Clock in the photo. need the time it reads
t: 4:30
